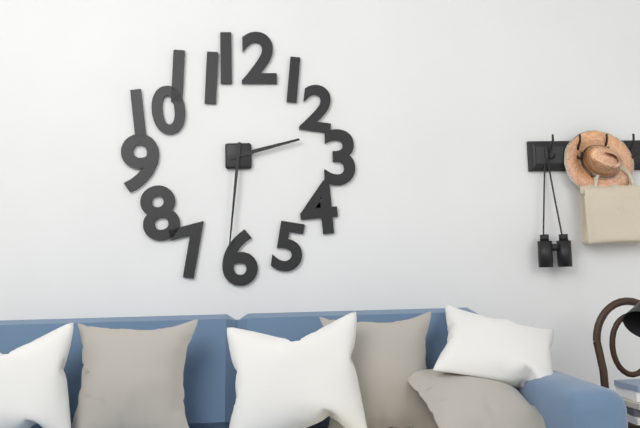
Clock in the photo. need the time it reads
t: 2:31
